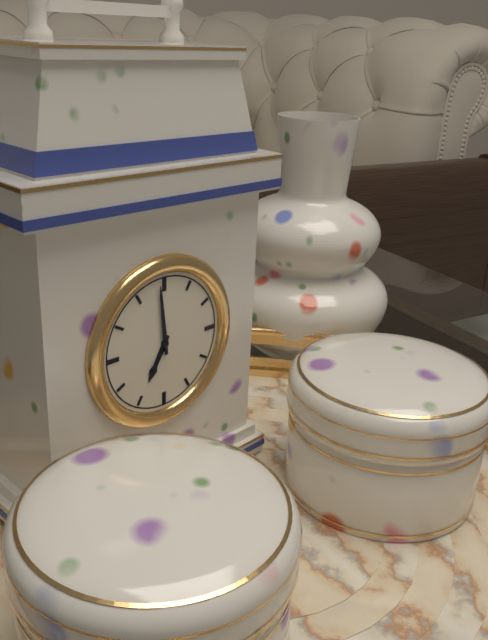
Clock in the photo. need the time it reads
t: 6:59
